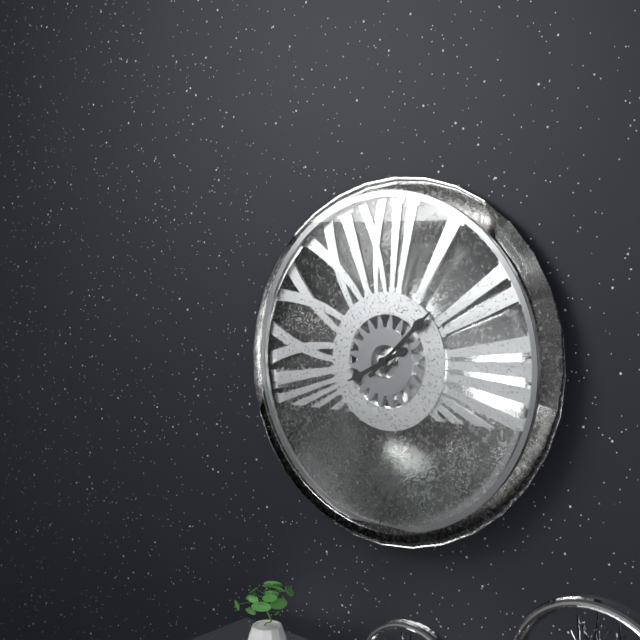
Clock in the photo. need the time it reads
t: 8:08
